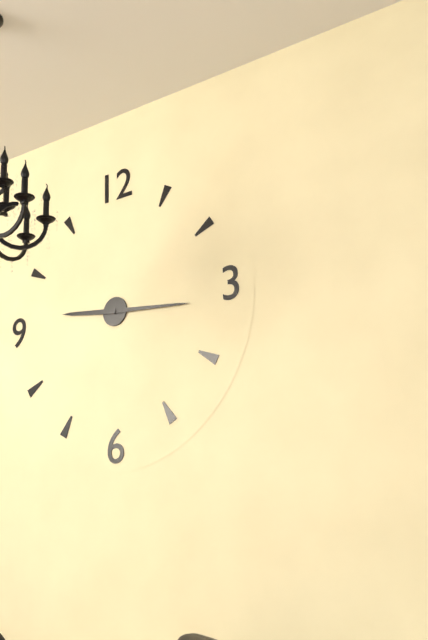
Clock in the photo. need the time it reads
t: 9:16
